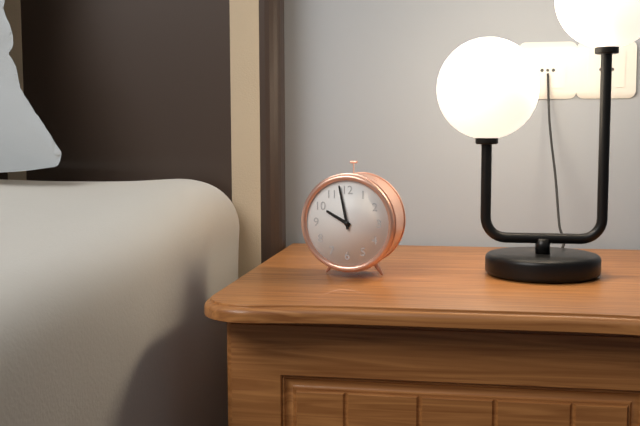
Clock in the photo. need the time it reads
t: 9:58
